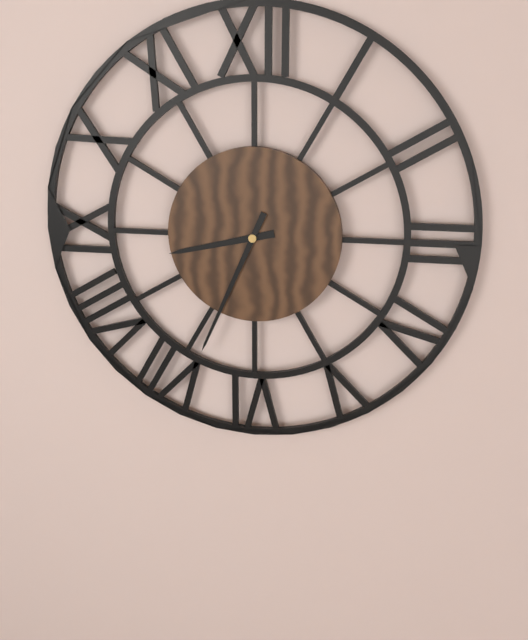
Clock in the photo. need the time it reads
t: 8:34
